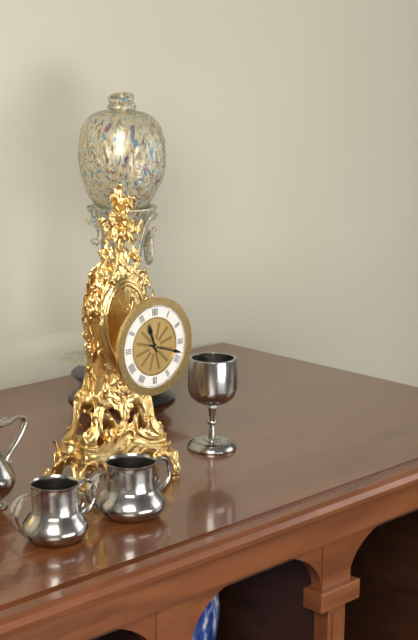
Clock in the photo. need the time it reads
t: 11:18
